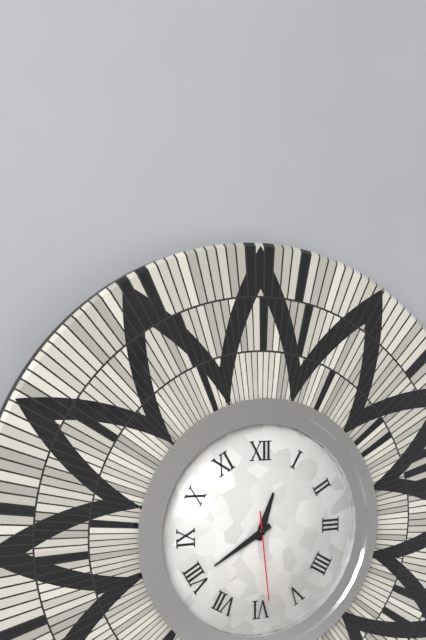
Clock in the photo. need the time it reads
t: 12:40:29
